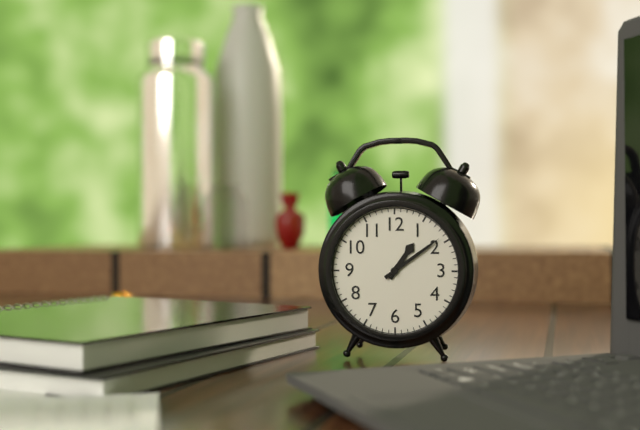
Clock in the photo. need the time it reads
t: 1:09
